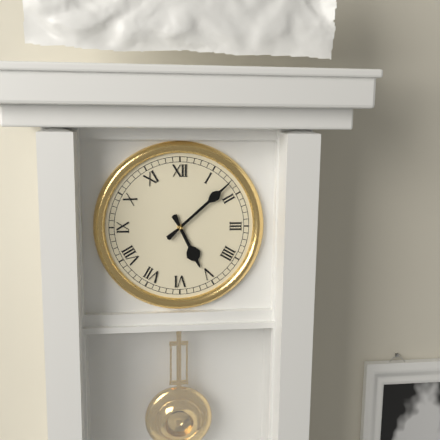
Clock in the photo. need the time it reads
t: 5:08
